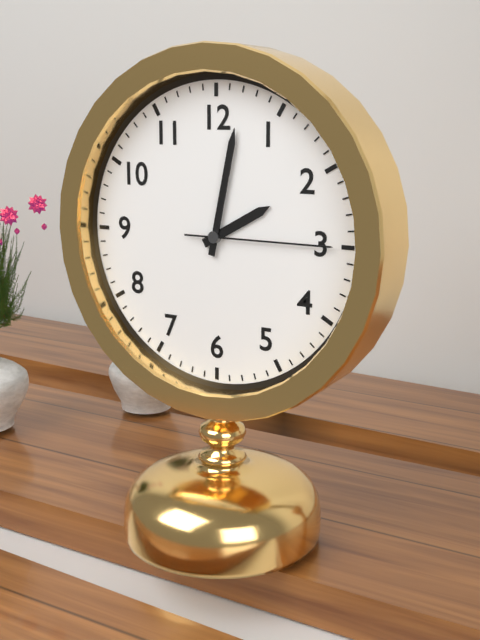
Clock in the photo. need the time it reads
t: 2:02:15
